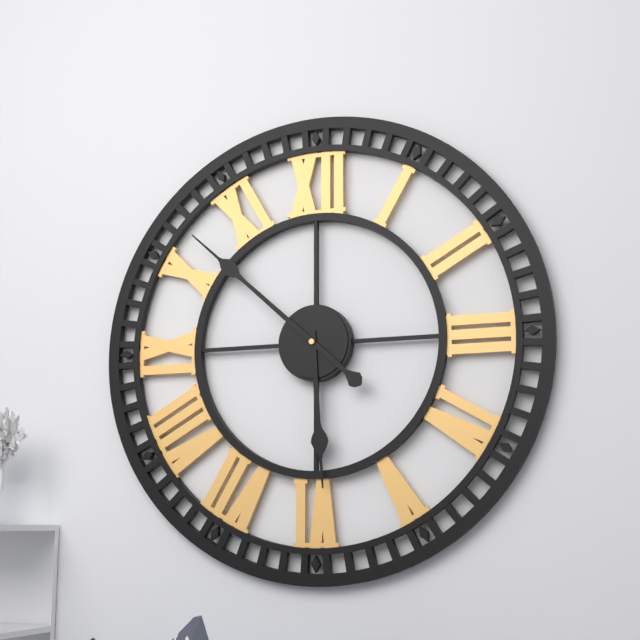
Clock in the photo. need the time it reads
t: 5:52
